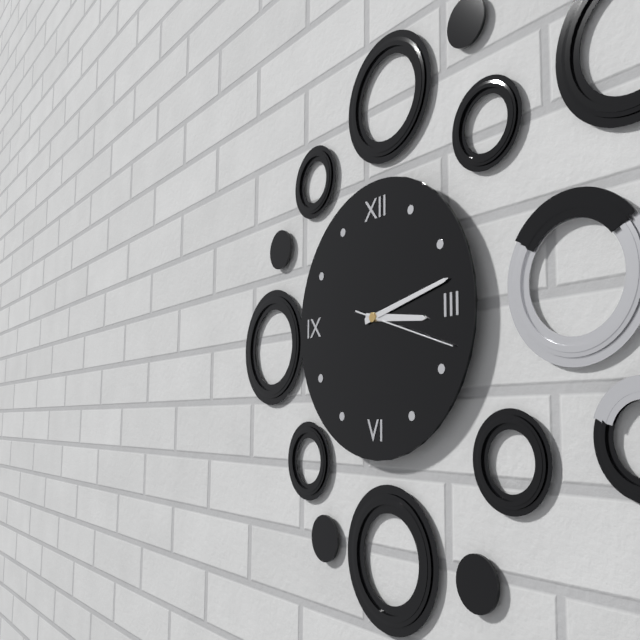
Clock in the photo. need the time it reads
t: 3:13:18
